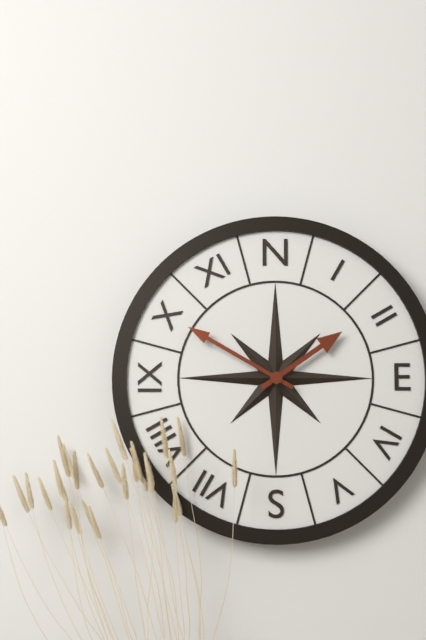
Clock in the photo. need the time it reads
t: 1:50
